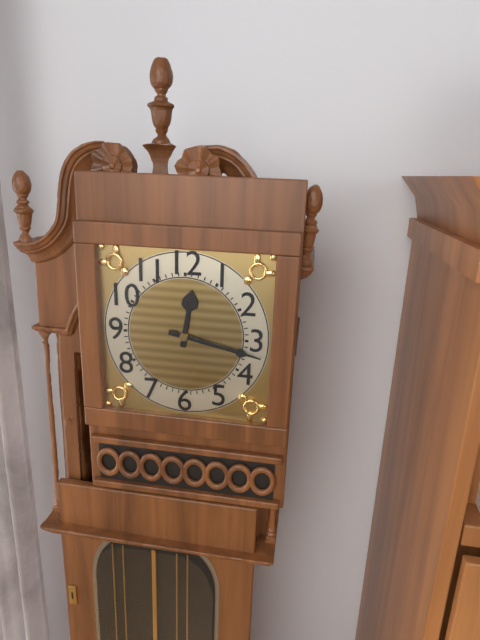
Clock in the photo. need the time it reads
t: 12:17
